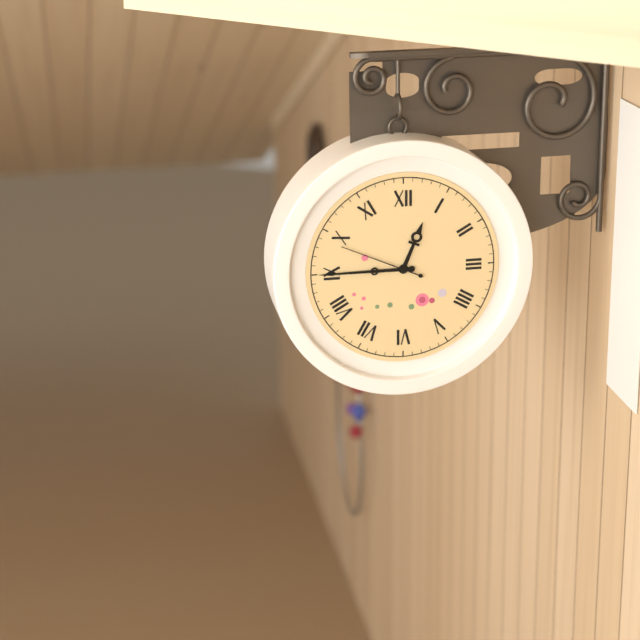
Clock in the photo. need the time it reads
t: 12:45:49
